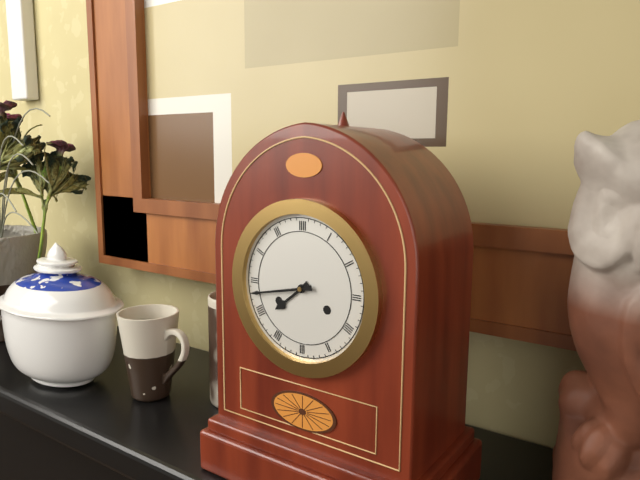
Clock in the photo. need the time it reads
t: 7:43
